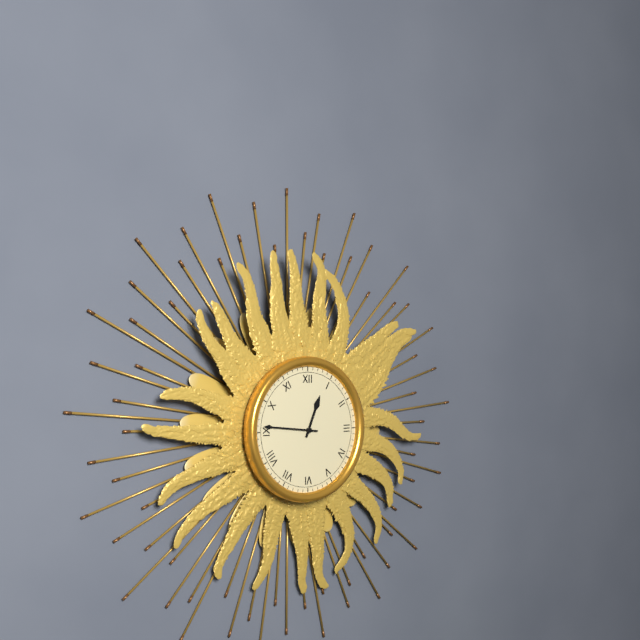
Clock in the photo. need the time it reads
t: 12:46
